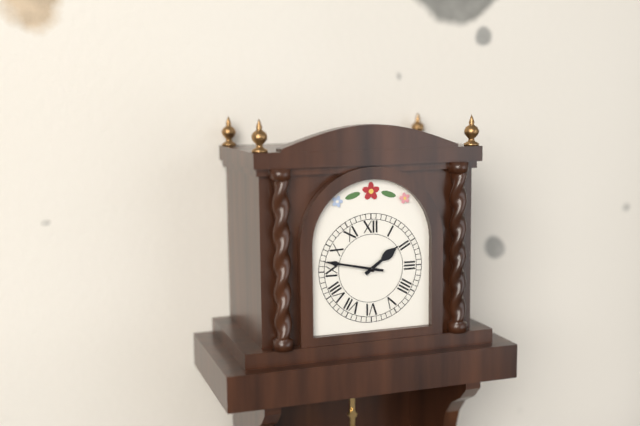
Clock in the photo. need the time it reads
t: 1:47
